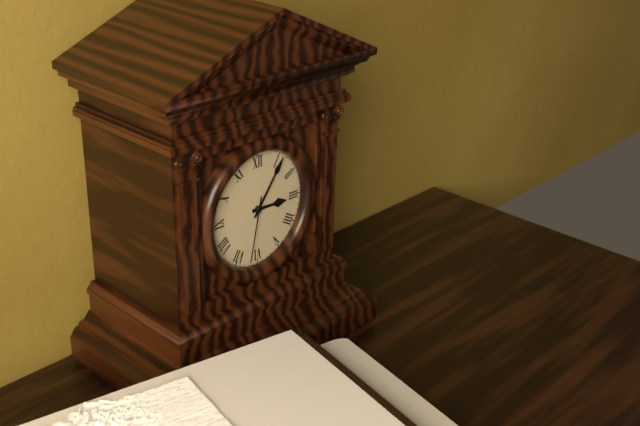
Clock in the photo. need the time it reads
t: 3:06:32
